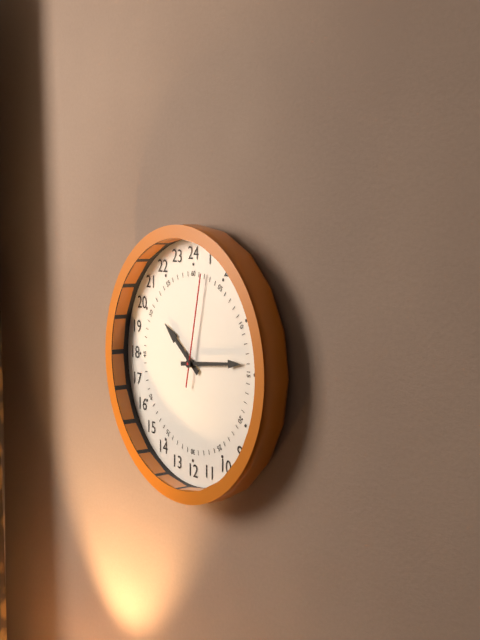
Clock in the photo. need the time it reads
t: 10:14:02
